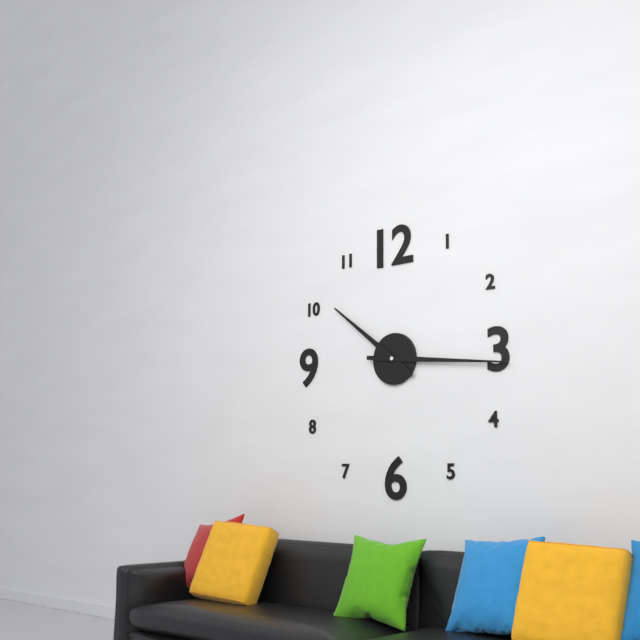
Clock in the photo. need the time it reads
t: 10:16
